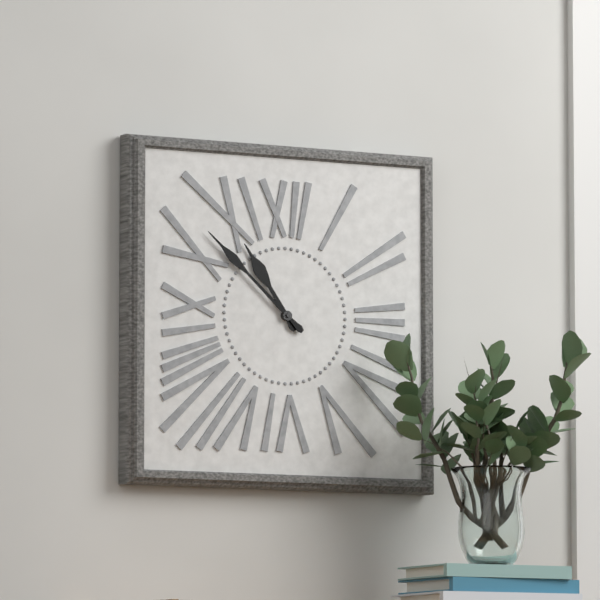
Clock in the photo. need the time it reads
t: 10:52
